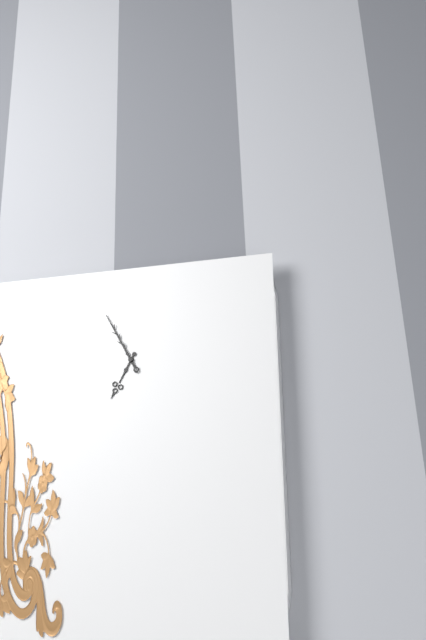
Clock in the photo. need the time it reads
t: 6:55
